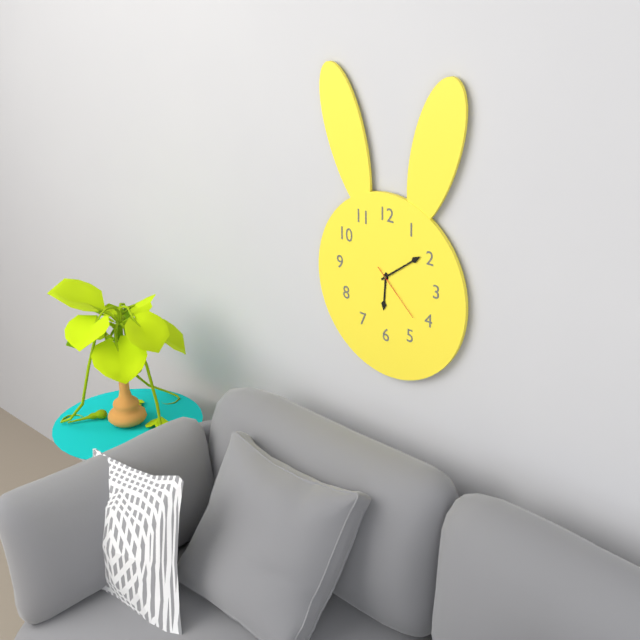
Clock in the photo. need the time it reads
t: 6:09:22
